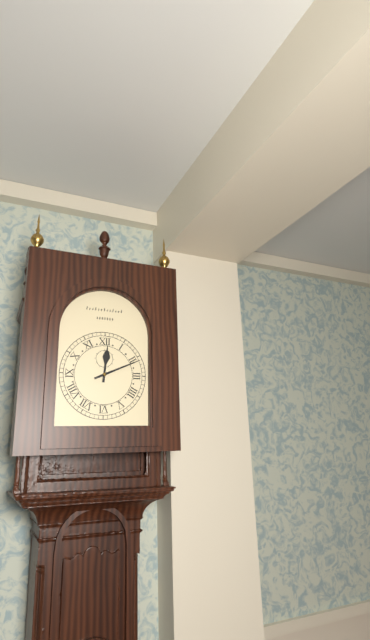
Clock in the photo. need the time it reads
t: 12:11
